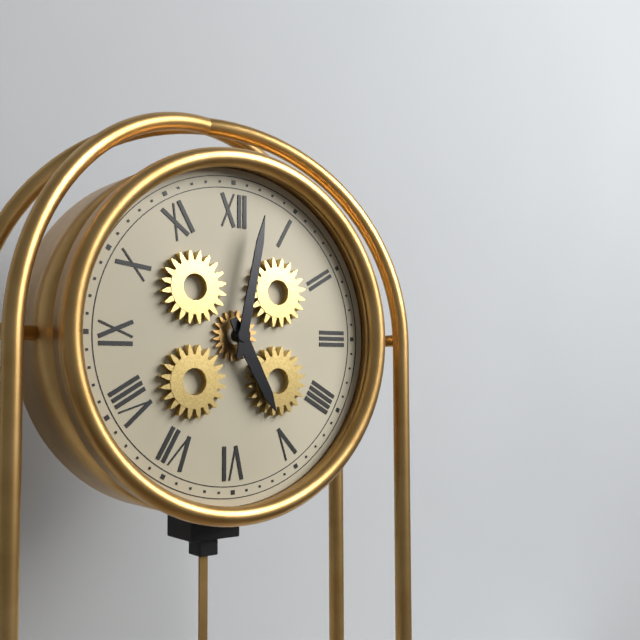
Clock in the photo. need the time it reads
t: 5:02
